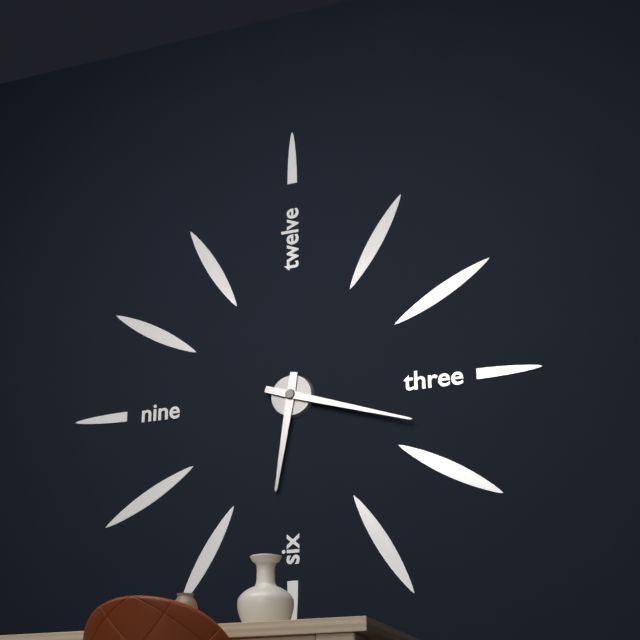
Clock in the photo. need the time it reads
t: 6:18
